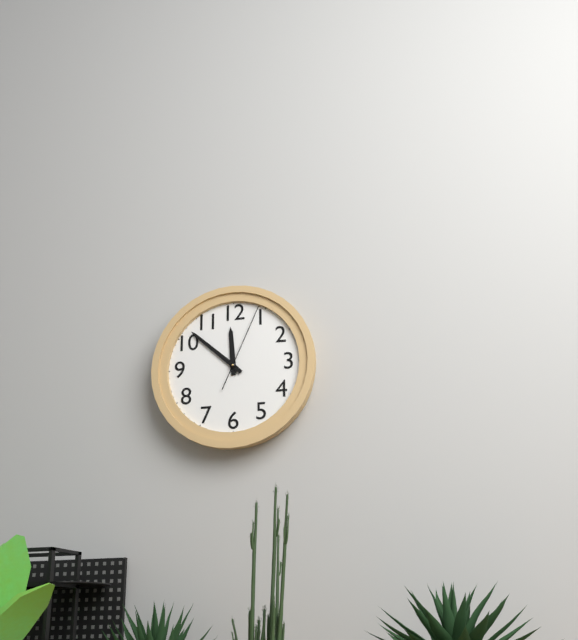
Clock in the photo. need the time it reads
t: 11:52:04
